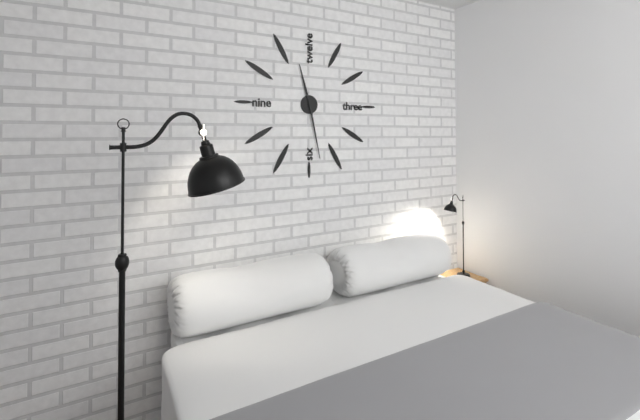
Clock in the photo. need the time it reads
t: 11:28
